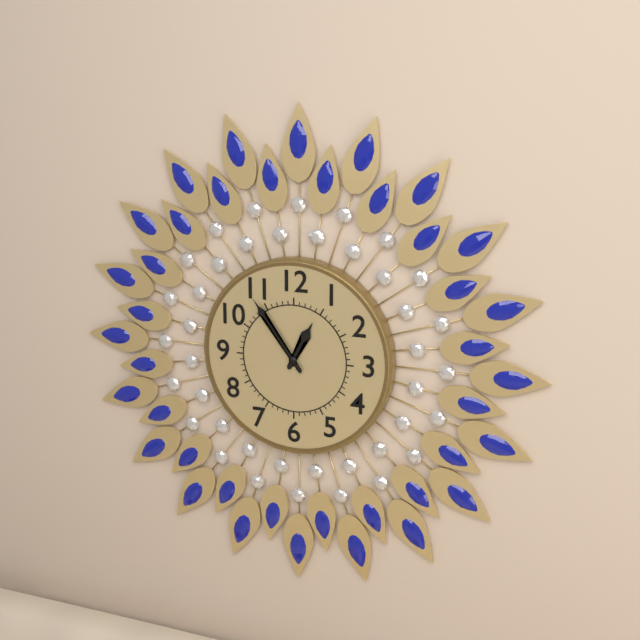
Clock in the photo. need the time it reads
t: 12:54
